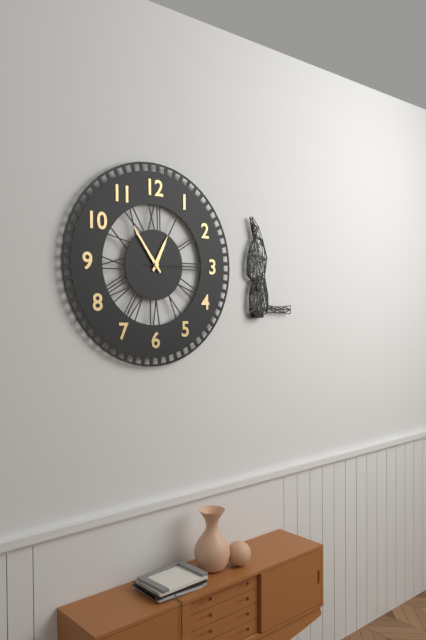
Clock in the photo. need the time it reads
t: 12:54
